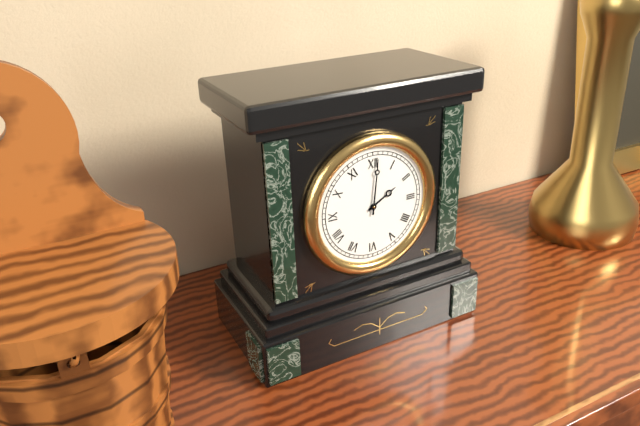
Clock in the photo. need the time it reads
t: 2:01
